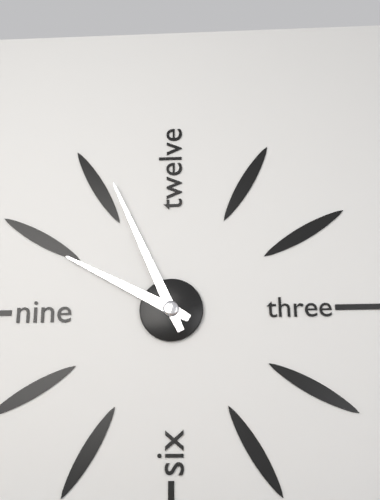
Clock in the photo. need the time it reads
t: 9:56
